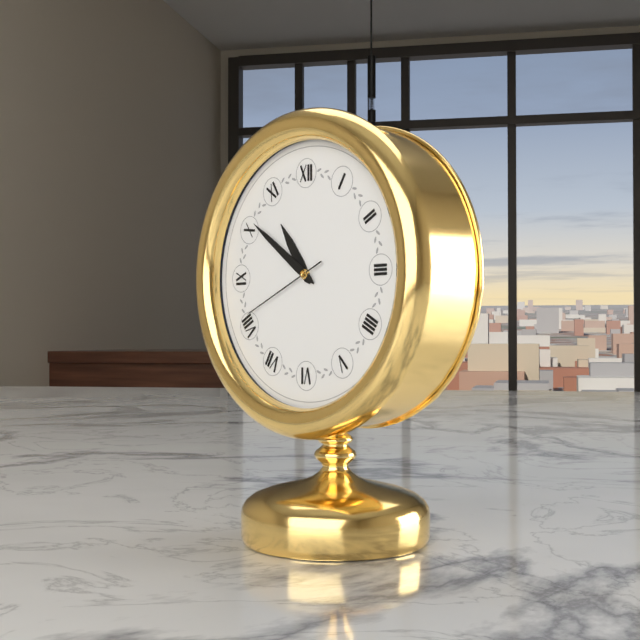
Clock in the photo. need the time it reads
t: 10:51:41
